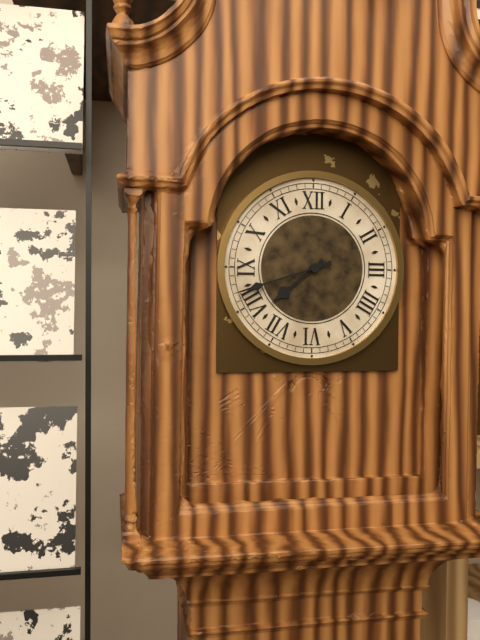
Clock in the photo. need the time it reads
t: 7:42
